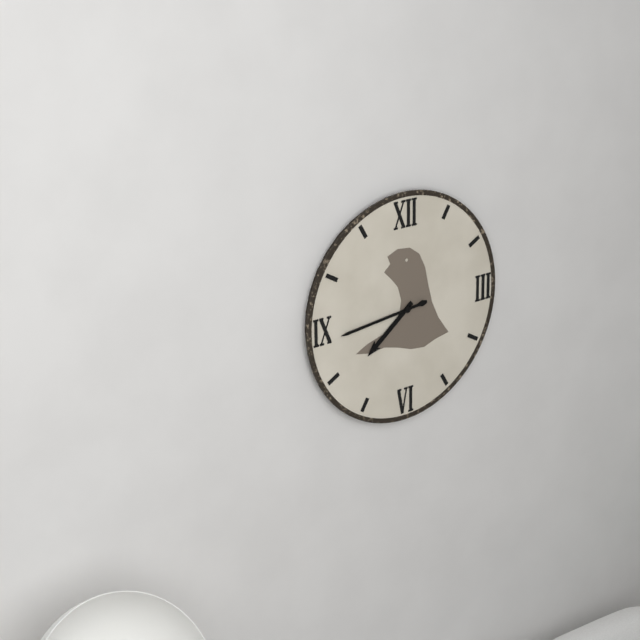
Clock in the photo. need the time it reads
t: 7:44
